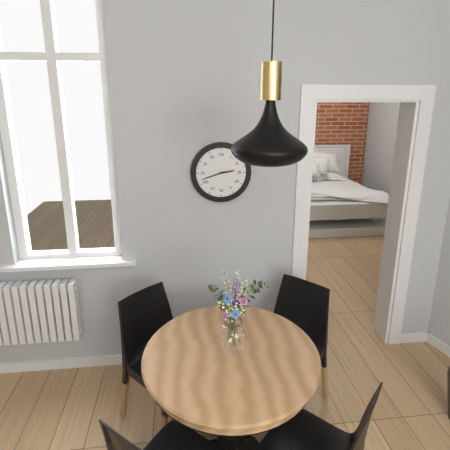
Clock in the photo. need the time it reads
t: 2:42
